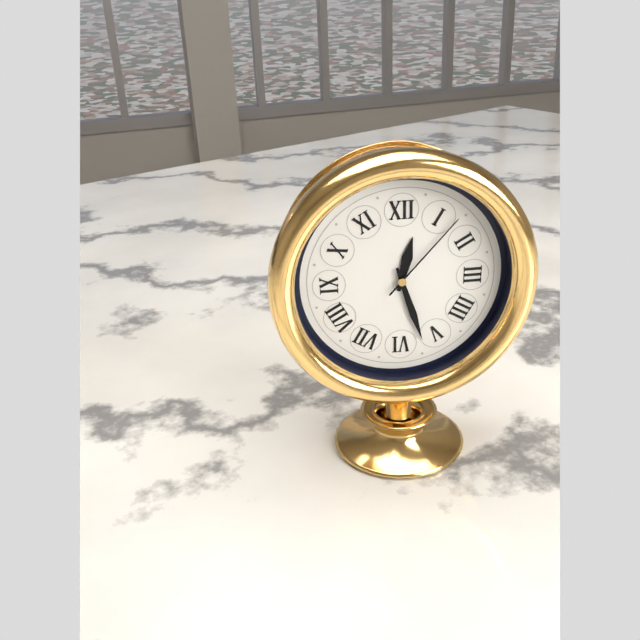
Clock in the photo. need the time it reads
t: 12:27:07
